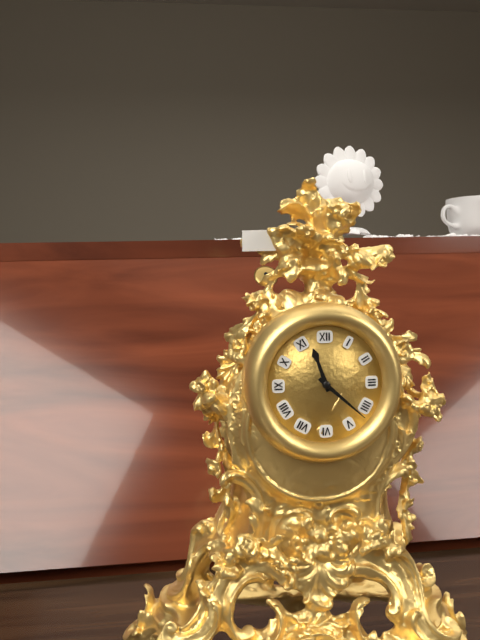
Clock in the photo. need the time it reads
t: 11:22
